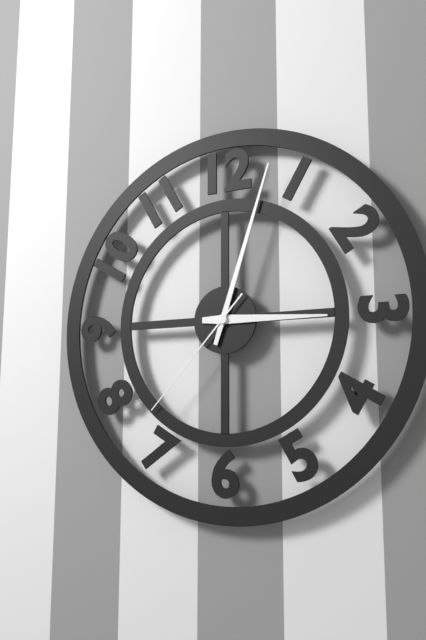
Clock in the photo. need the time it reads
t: 3:03:37
